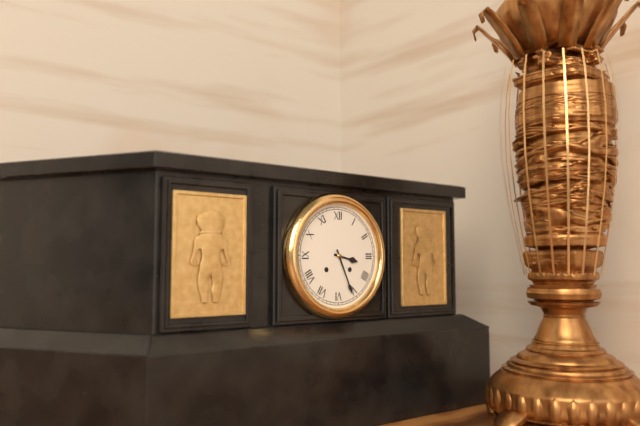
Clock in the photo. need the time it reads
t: 3:26
